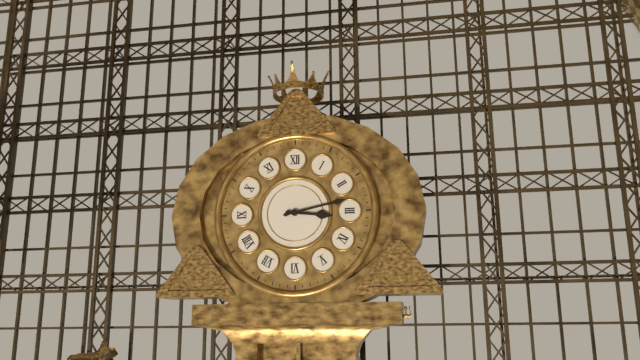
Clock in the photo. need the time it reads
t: 3:13
